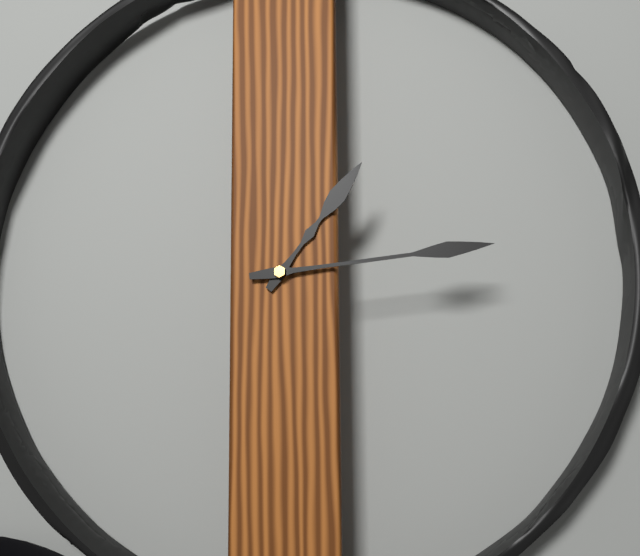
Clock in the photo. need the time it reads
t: 1:14
